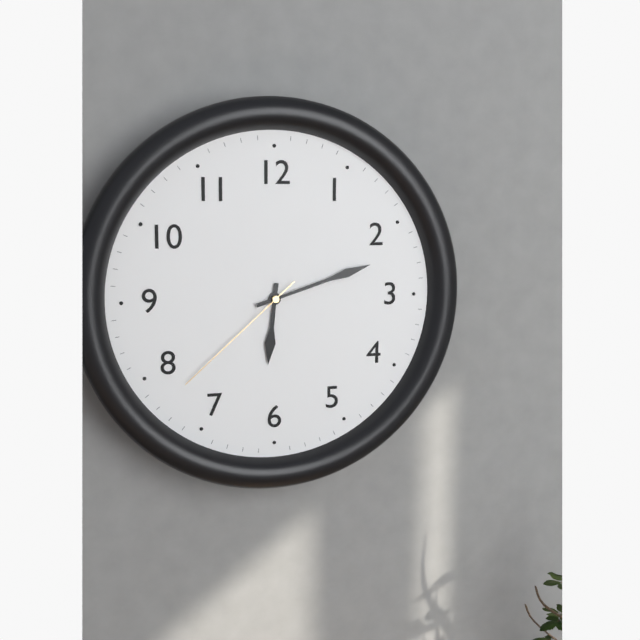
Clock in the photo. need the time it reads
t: 6:12:38
